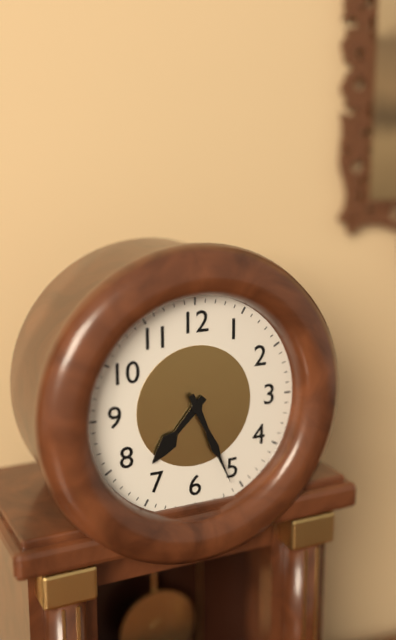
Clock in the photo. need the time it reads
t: 7:26
